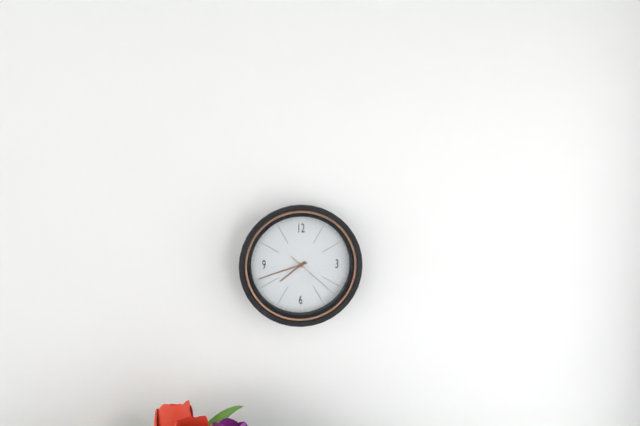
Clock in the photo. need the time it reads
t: 7:42:22
